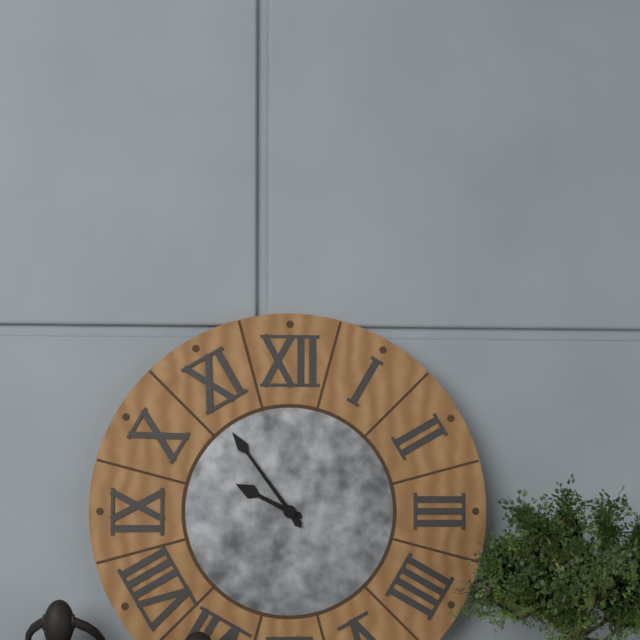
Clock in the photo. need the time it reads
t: 9:54
